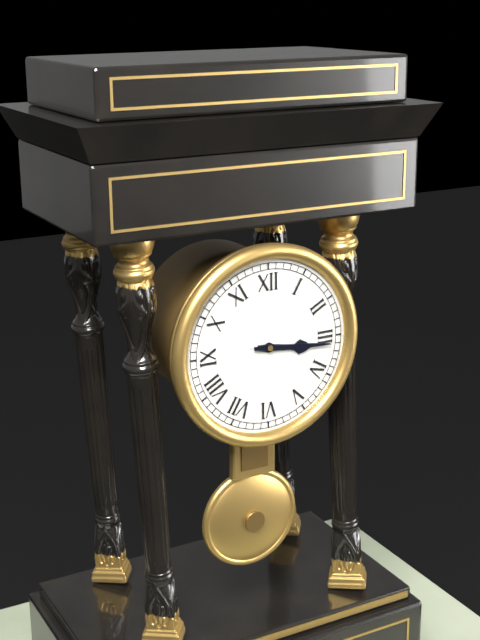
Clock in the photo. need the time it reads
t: 3:16
